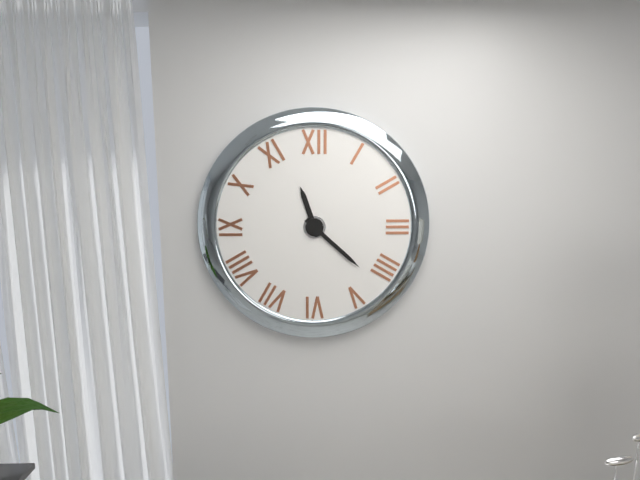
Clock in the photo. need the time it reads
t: 11:22
